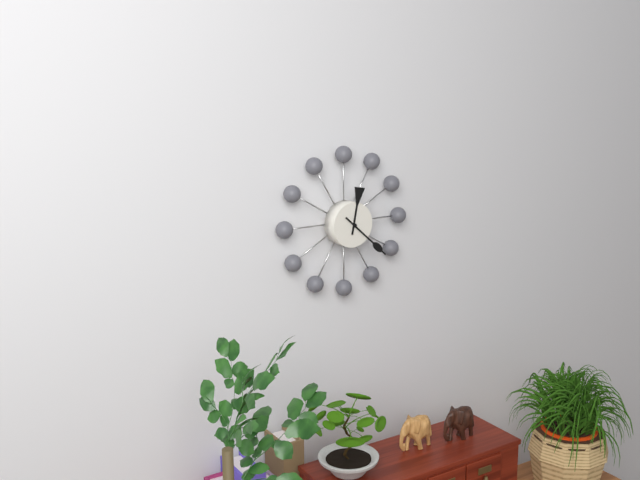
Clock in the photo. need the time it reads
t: 12:22
